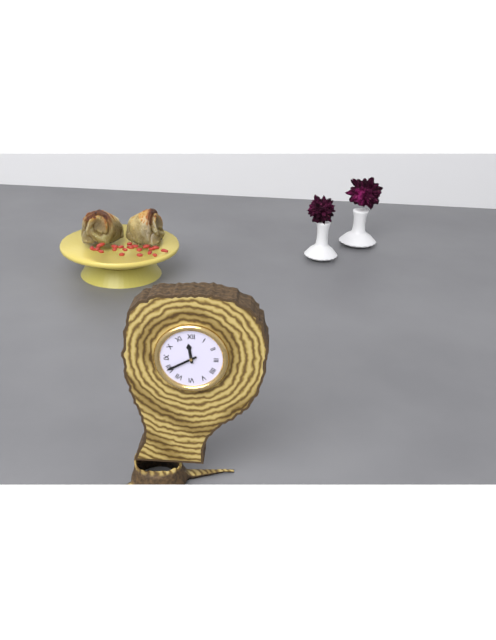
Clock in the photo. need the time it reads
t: 11:40
